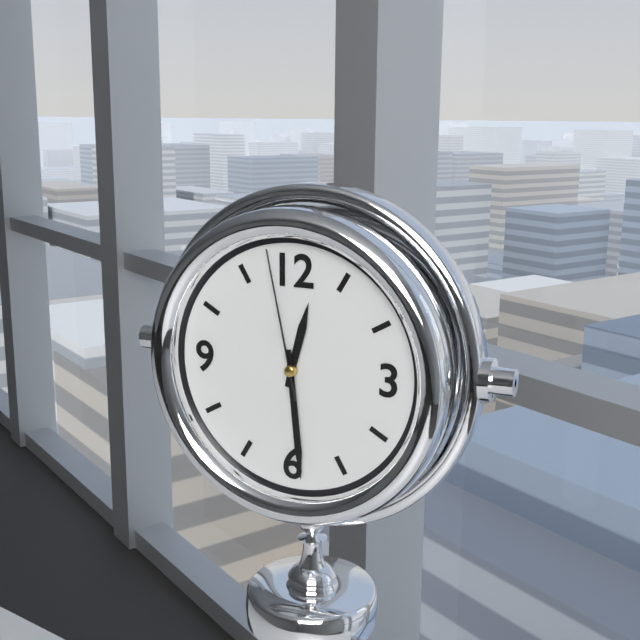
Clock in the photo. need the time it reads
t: 12:29:58
